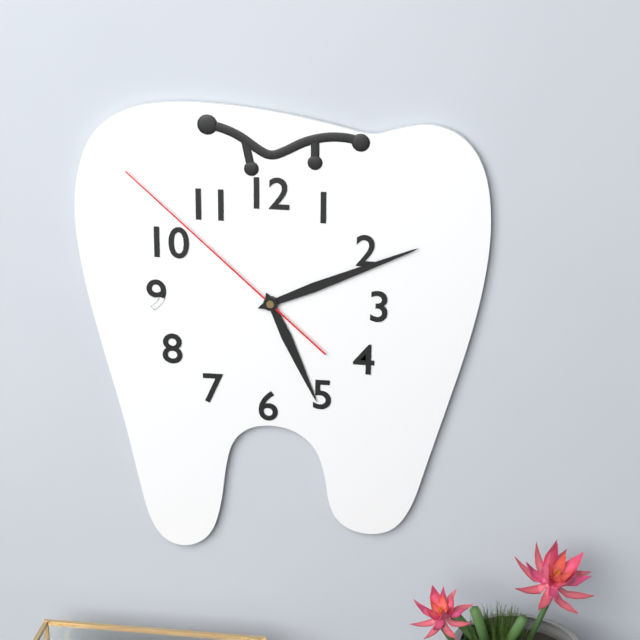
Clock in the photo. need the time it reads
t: 5:11:52
